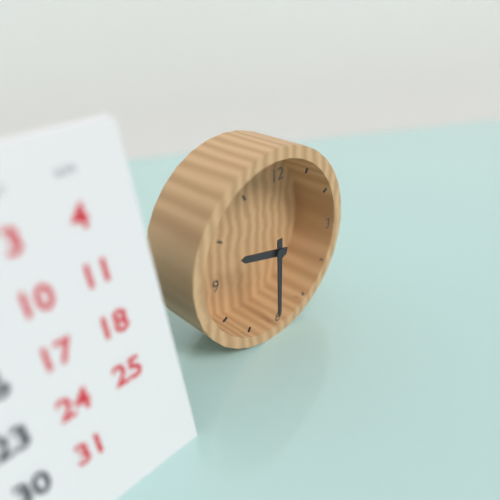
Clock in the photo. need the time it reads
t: 9:30
